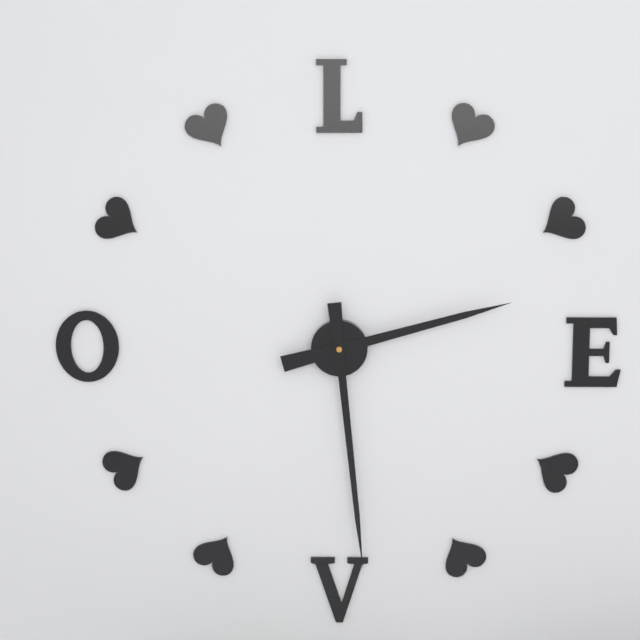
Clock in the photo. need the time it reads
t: 2:29
